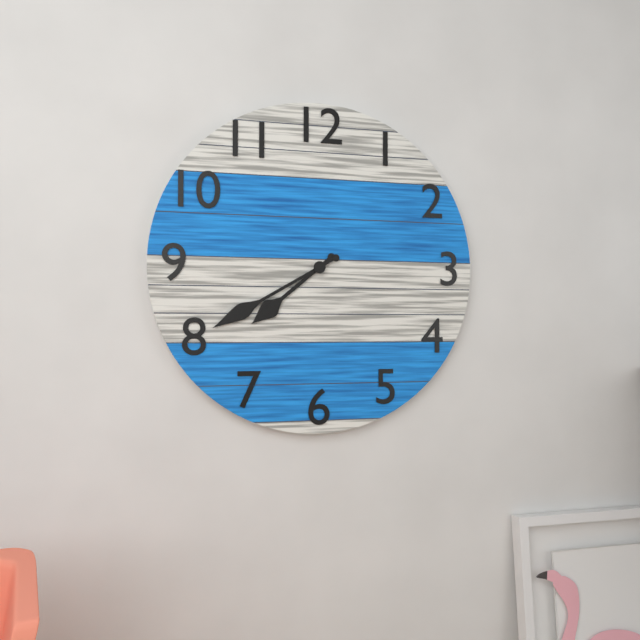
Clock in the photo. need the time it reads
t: 7:40
